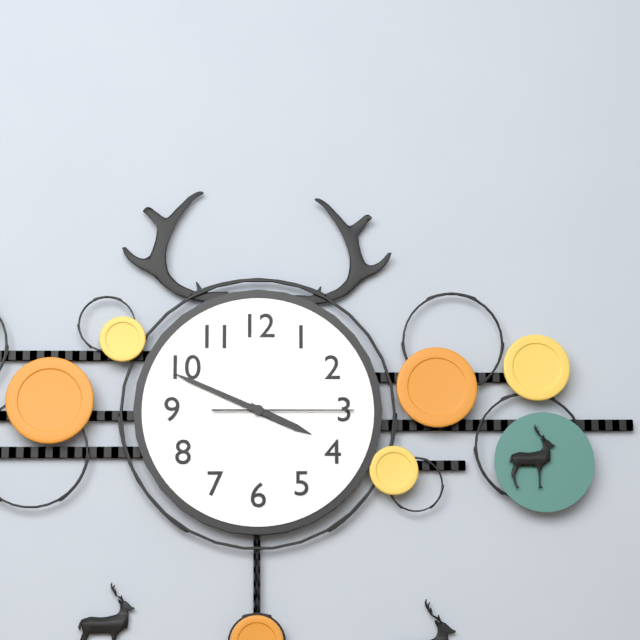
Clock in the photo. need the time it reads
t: 3:49:15
